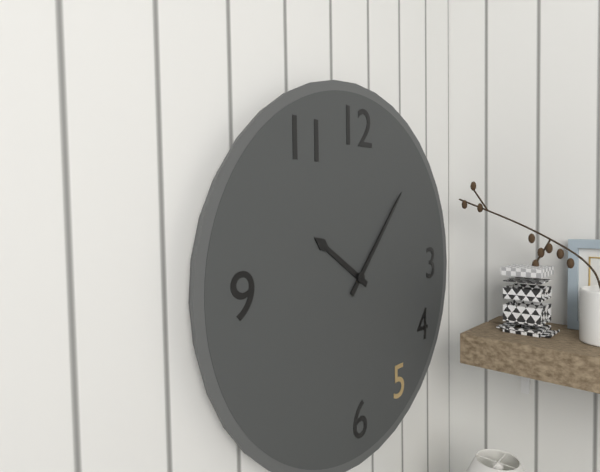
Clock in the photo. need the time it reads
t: 10:07
